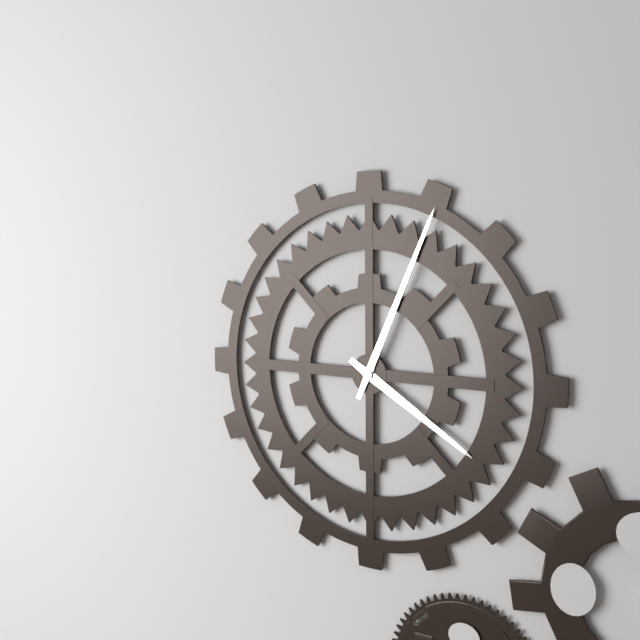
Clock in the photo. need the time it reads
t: 4:04
